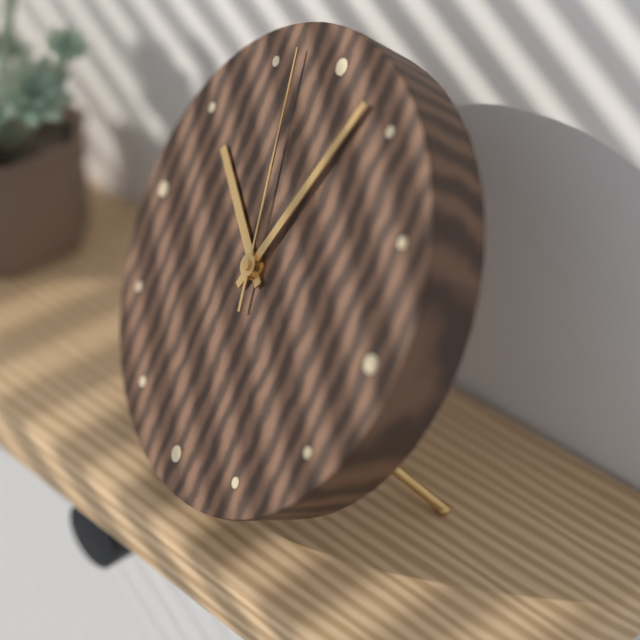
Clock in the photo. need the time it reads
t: 10:03:57
